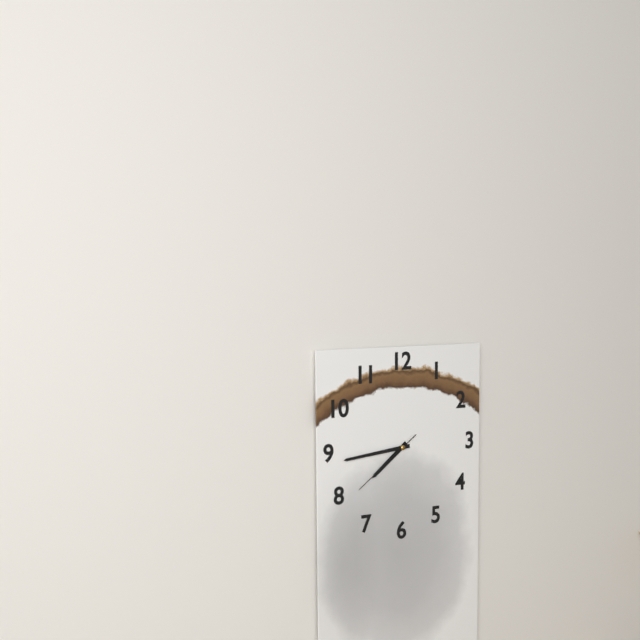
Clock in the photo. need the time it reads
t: 7:44:39
